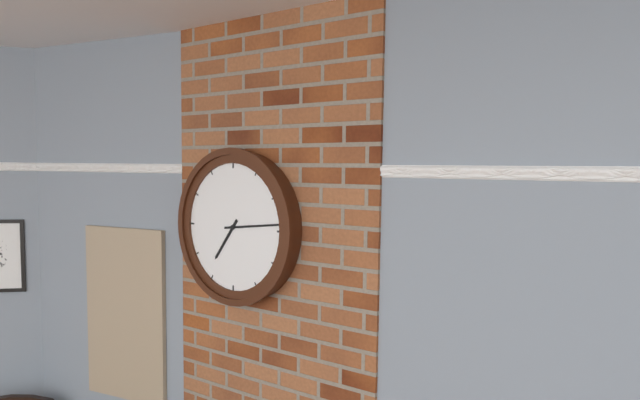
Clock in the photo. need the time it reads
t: 7:14
